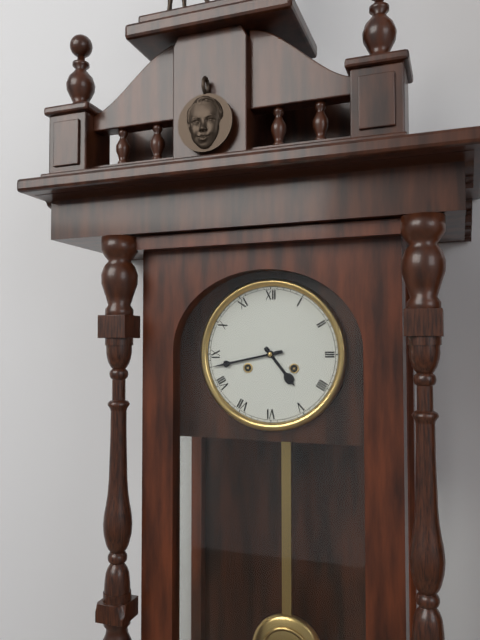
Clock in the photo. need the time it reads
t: 4:43
